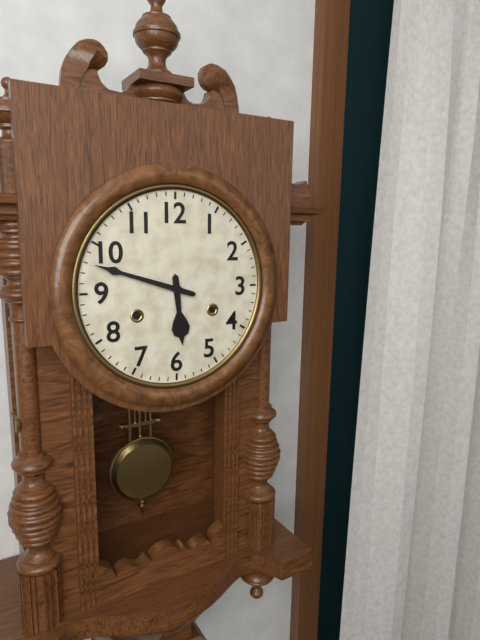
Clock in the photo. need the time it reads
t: 5:48
